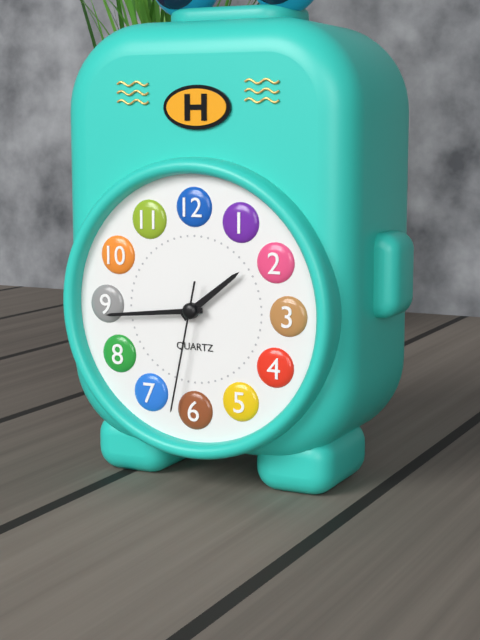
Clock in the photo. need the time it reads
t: 1:44:32
